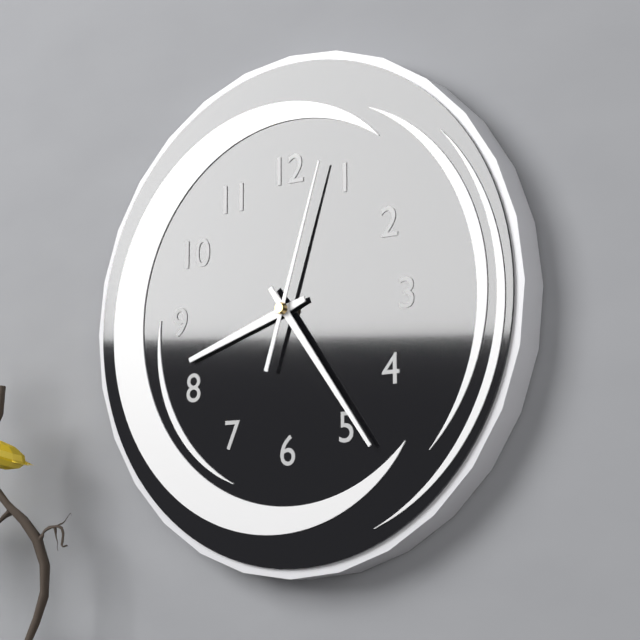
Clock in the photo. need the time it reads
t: 8:24:03
